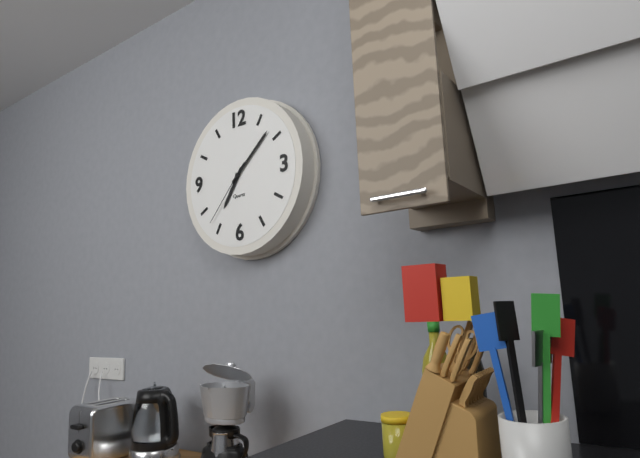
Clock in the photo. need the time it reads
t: 7:08:37
